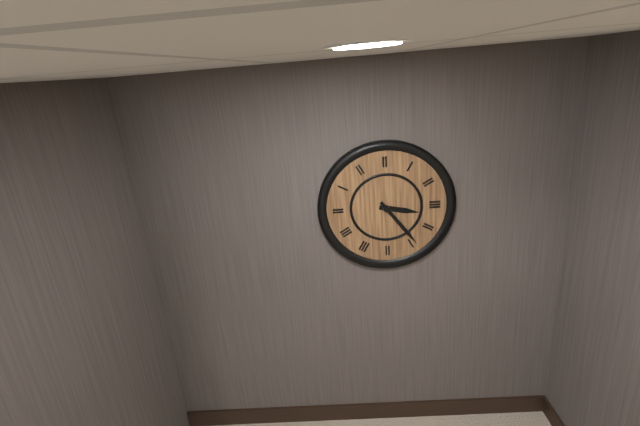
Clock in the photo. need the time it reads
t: 3:24
